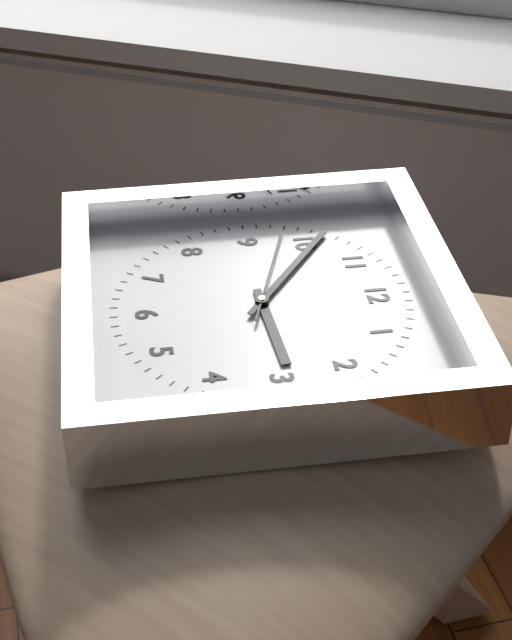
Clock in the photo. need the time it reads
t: 2:51:48
